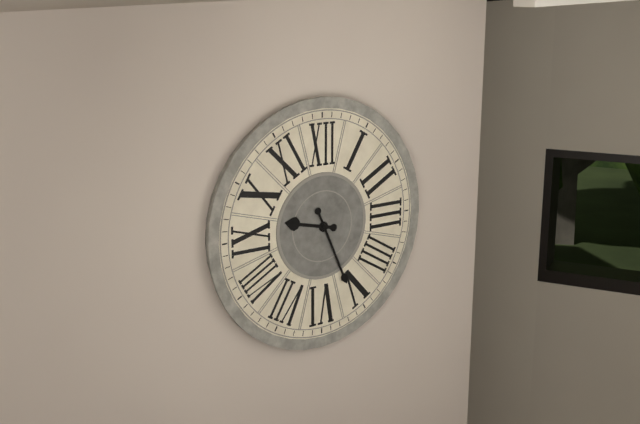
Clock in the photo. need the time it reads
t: 9:26
